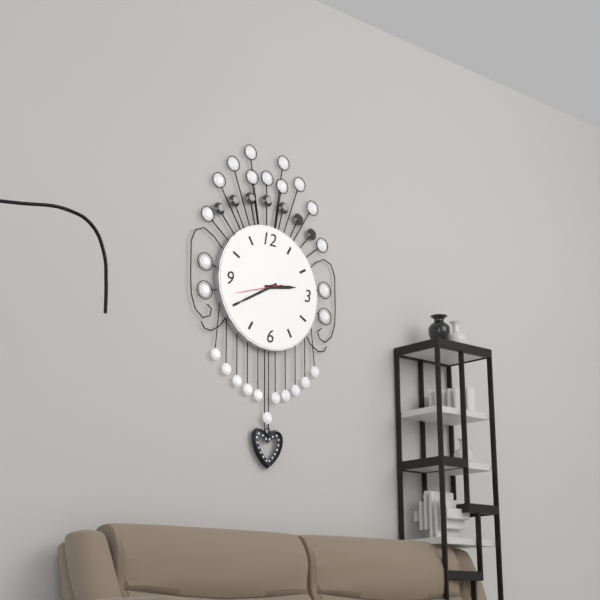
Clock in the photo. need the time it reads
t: 2:40
